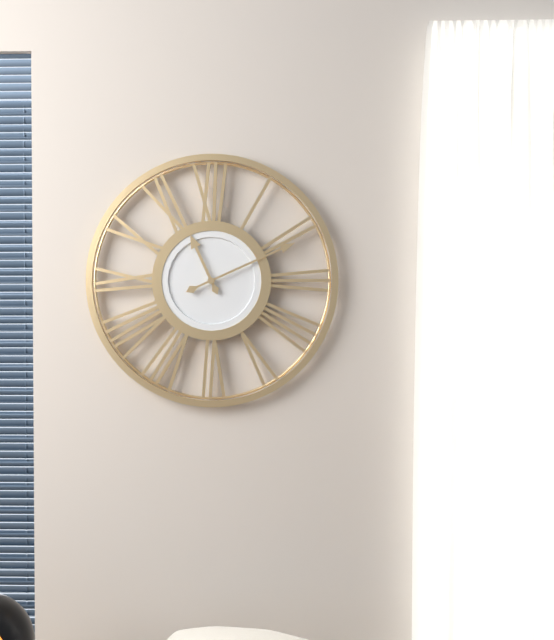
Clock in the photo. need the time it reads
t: 11:11
